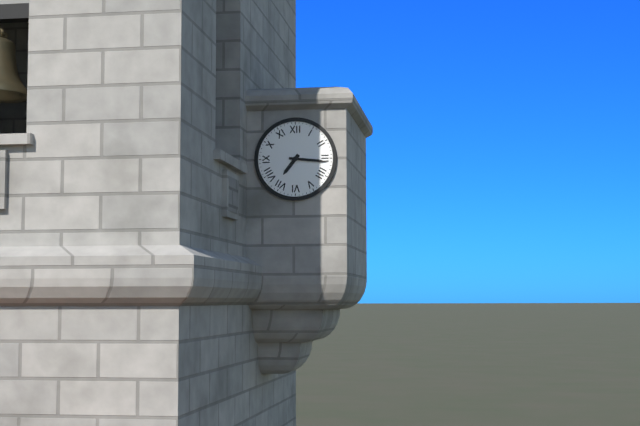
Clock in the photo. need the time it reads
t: 7:16
